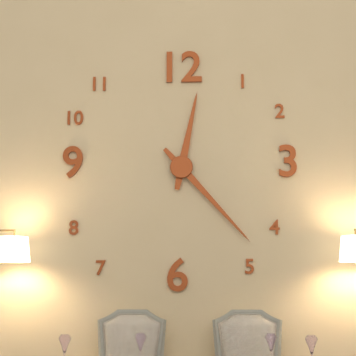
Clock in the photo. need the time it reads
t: 12:23
